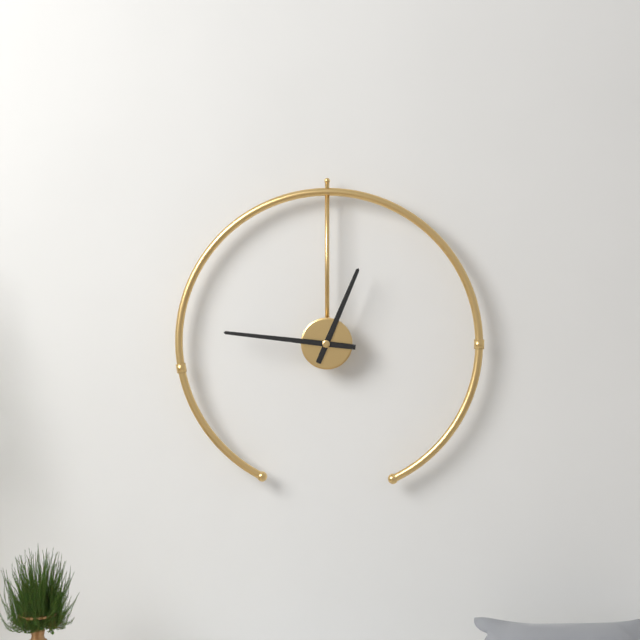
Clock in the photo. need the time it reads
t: 12:46
